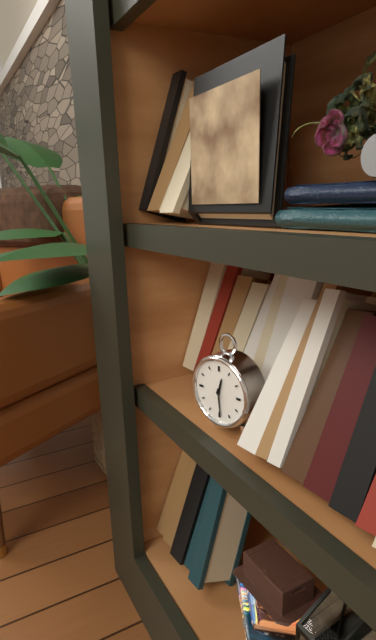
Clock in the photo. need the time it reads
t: 12:29
